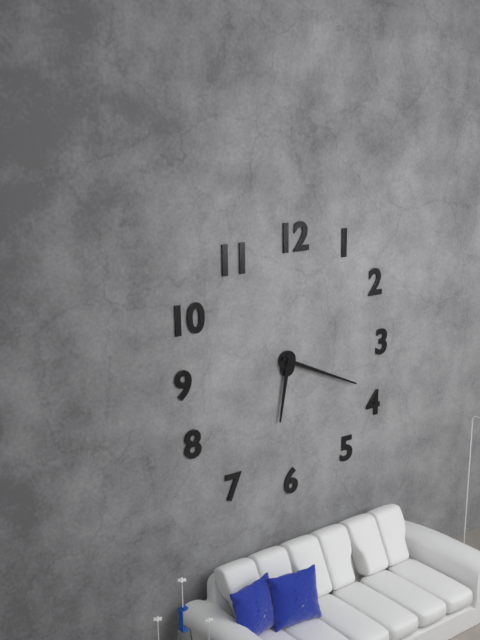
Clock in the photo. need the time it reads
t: 6:19
